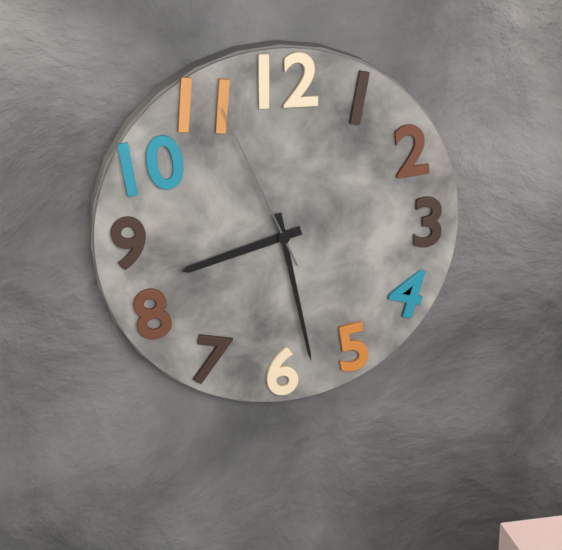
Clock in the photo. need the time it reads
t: 8:28:56
